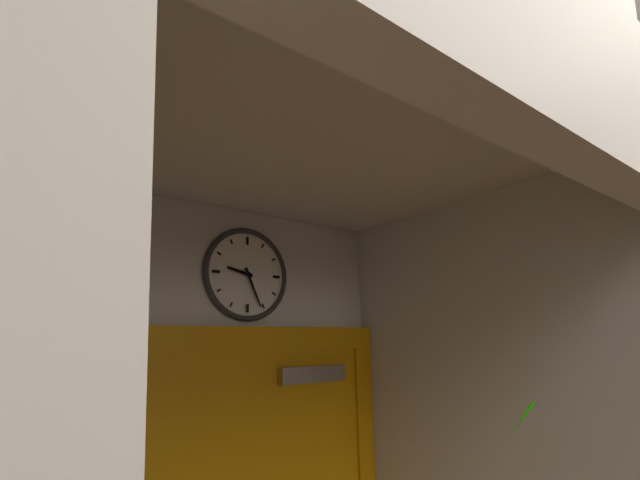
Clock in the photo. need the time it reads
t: 9:26
